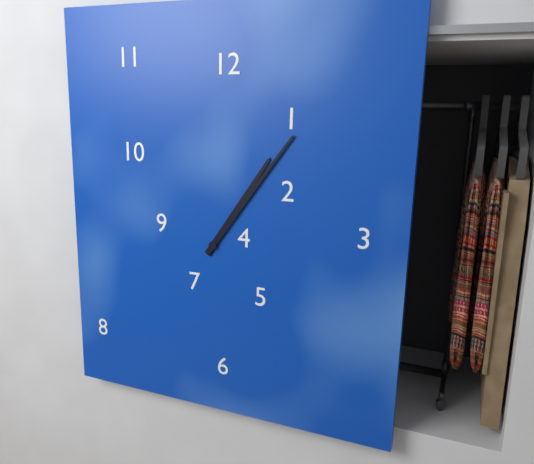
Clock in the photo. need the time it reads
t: 1:06
